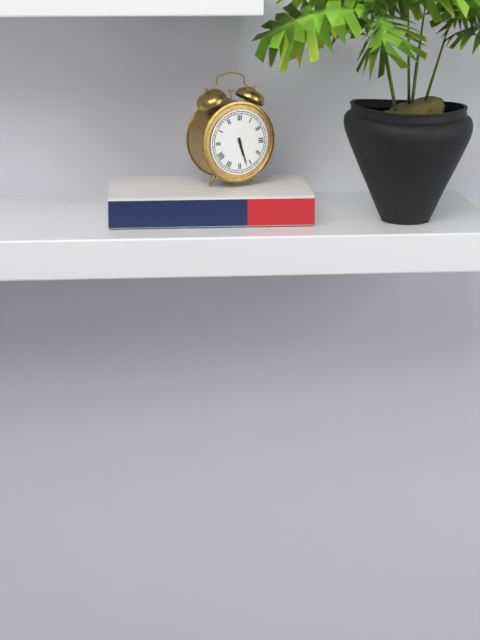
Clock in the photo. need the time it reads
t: 5:27
